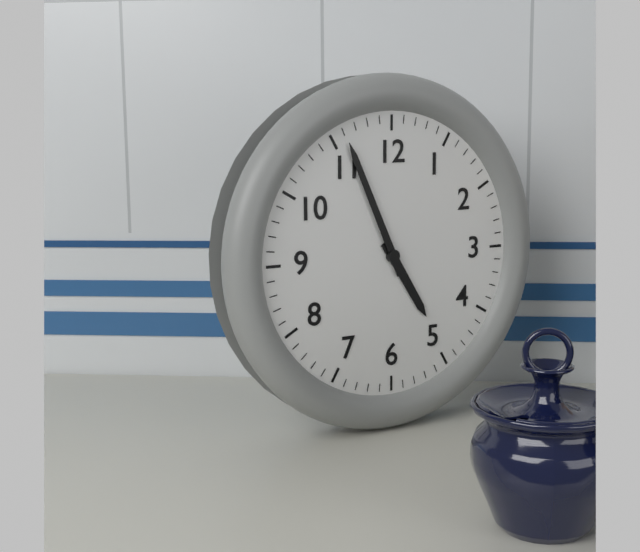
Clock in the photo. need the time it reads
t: 4:56
